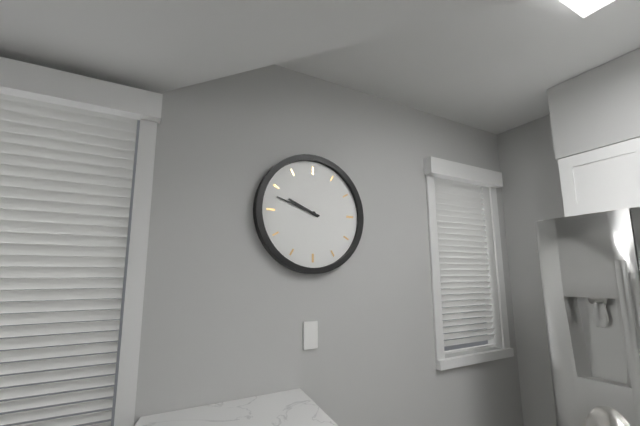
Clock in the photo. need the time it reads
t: 9:48
